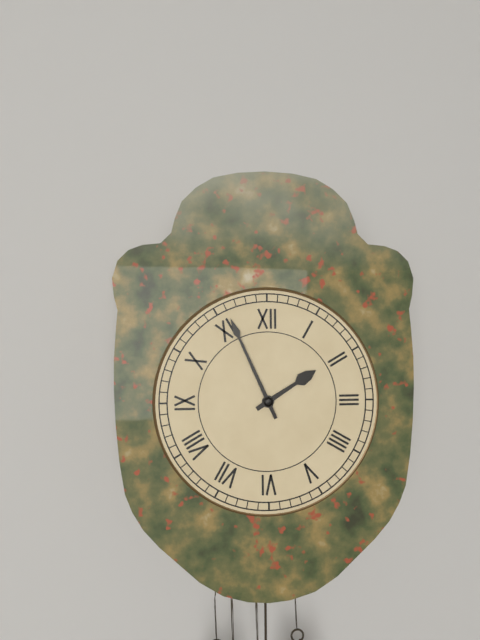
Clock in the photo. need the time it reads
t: 1:56
